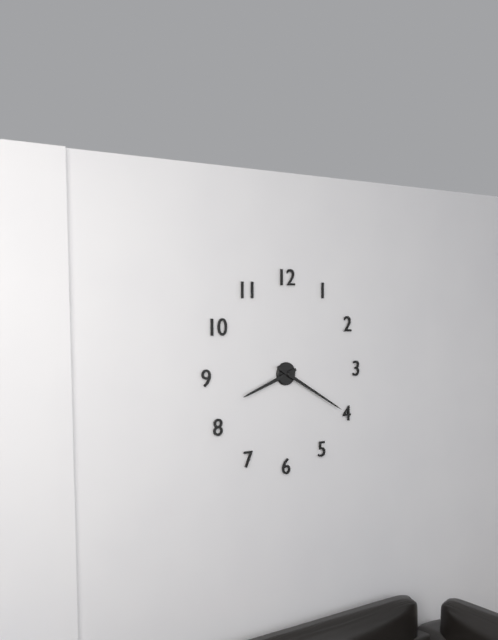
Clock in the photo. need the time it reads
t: 8:20
